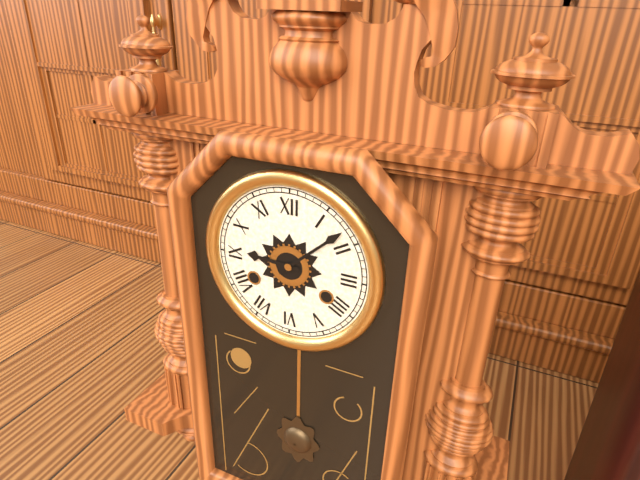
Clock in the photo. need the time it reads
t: 9:08
